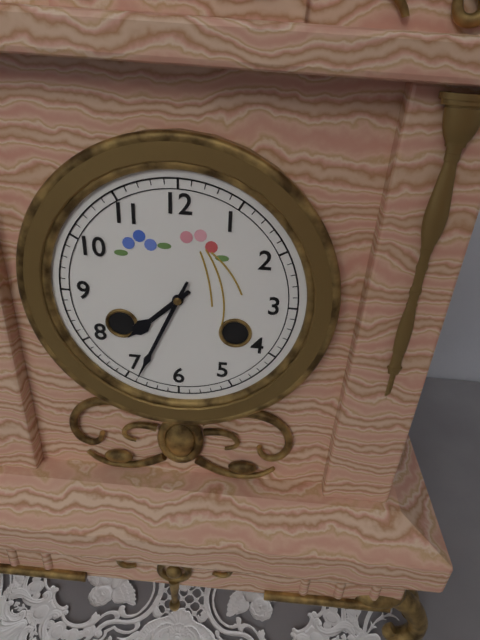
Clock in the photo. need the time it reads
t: 7:34
